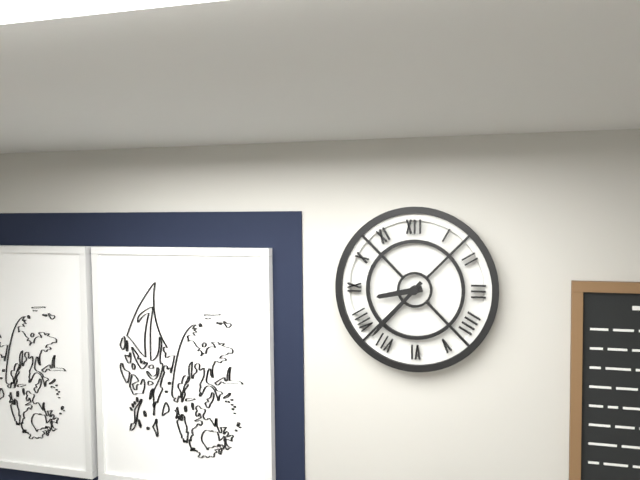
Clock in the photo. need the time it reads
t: 8:37
